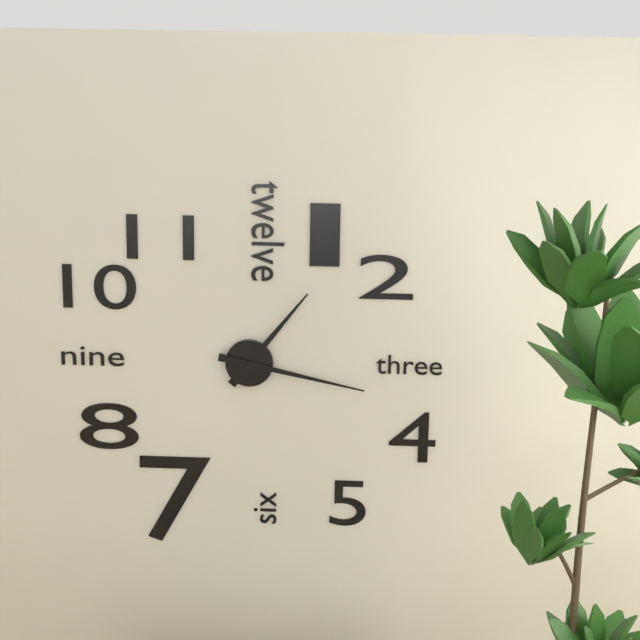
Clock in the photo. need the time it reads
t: 1:17
